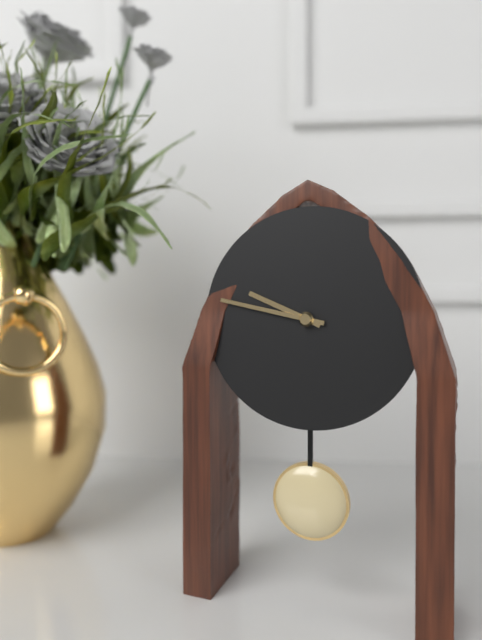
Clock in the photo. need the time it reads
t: 9:47
